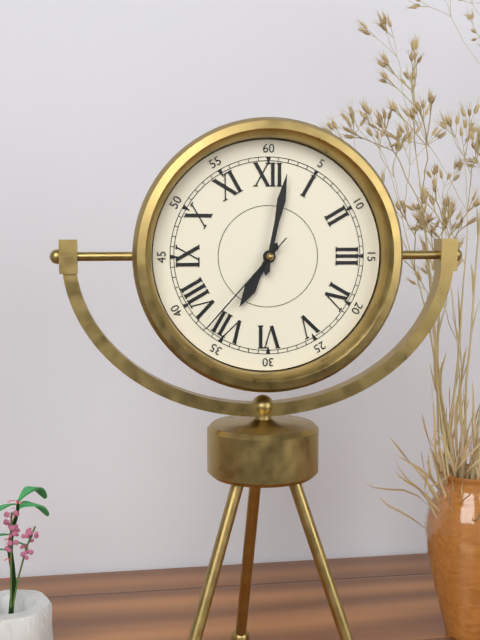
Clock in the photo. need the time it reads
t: 7:02:37
